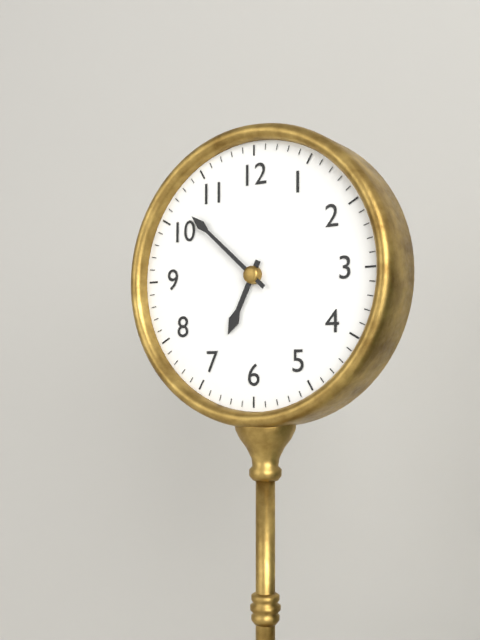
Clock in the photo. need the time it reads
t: 6:52
